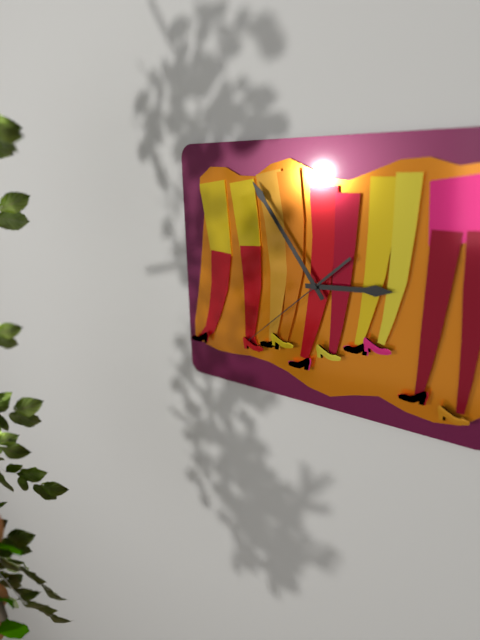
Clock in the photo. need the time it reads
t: 2:54:38
